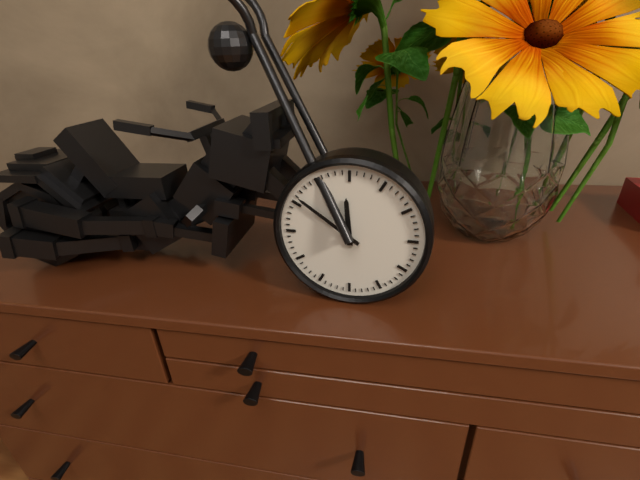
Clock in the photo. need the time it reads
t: 11:51
